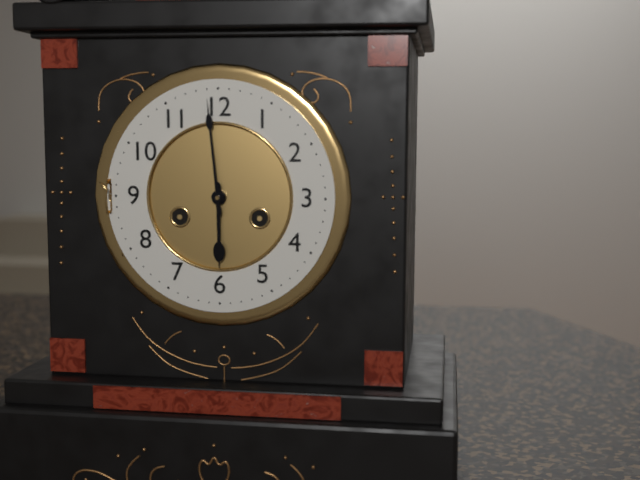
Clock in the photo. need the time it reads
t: 5:59
